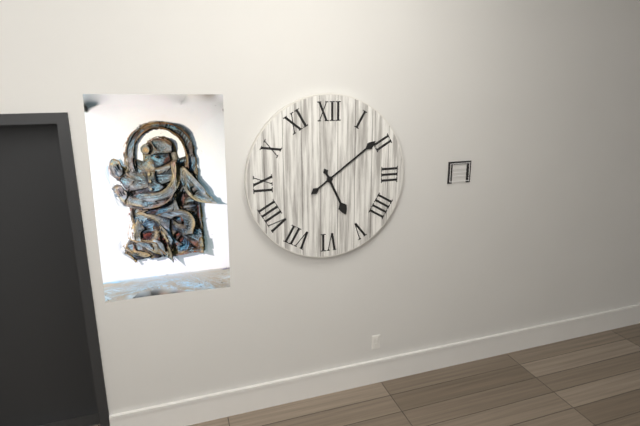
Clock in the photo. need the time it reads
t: 5:09
